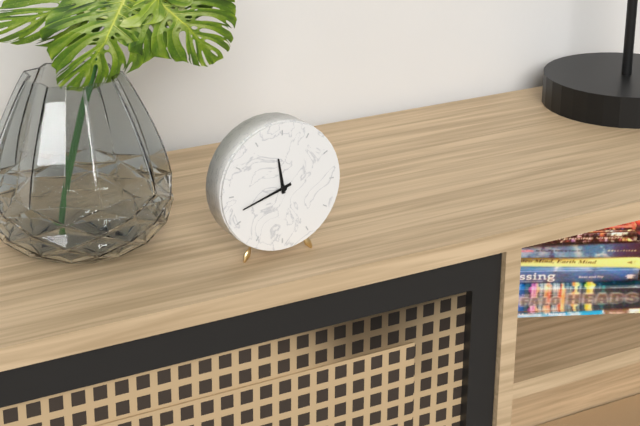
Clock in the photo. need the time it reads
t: 11:42
